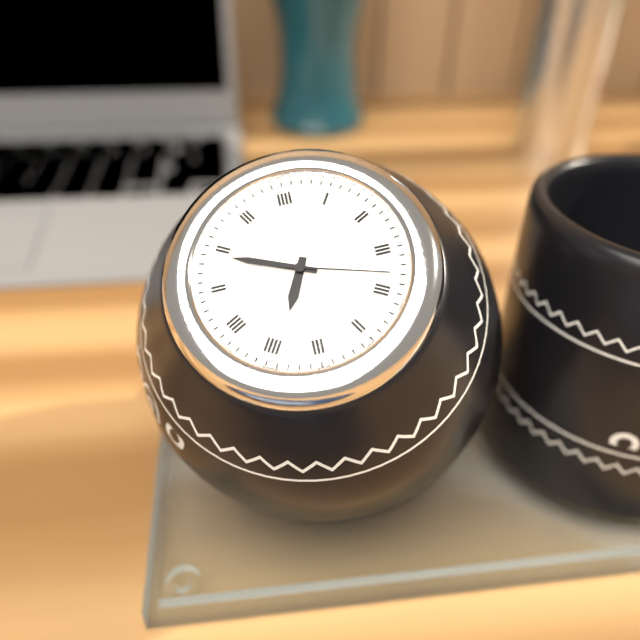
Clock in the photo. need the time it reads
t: 6:49:18
